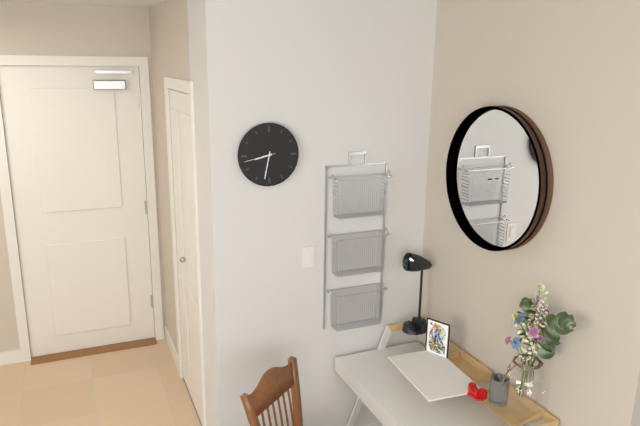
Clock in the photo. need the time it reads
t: 8:32
